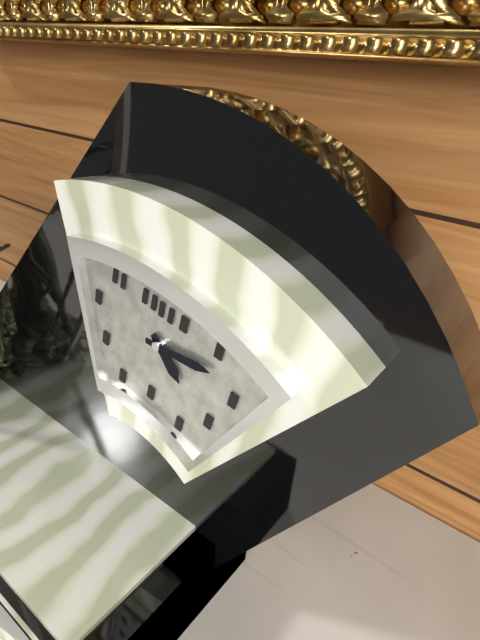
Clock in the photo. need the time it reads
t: 4:13
